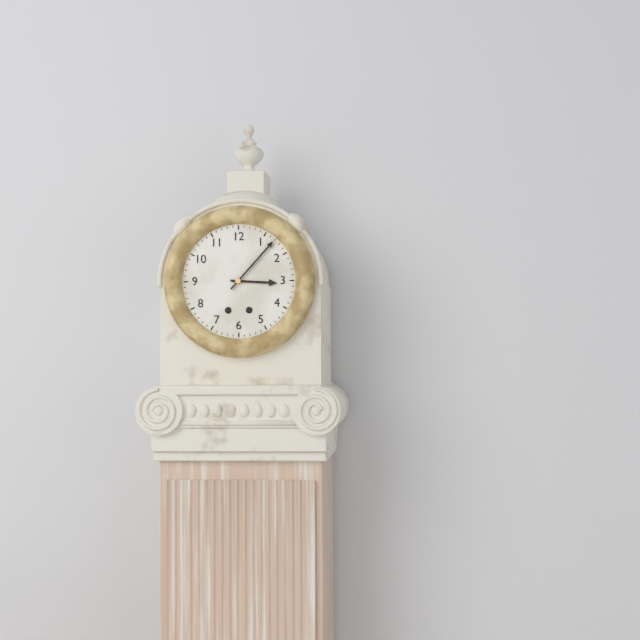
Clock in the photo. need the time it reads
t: 3:07
